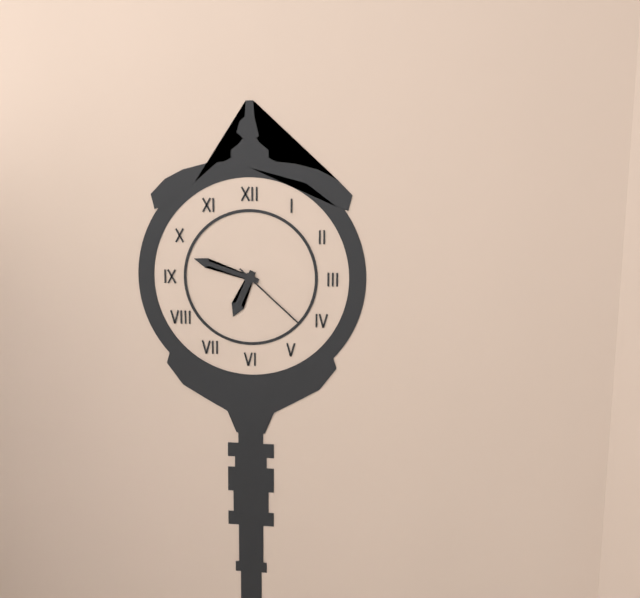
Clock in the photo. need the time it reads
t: 6:48:22
